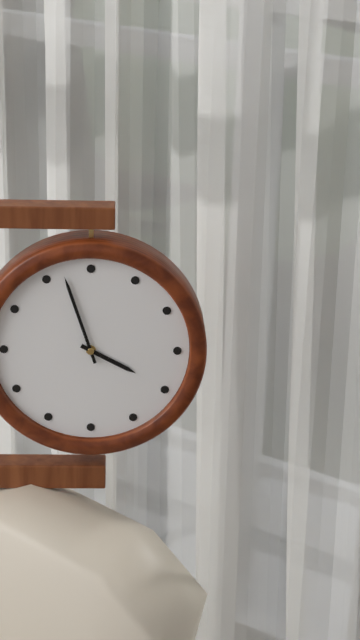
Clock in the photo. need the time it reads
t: 3:57
